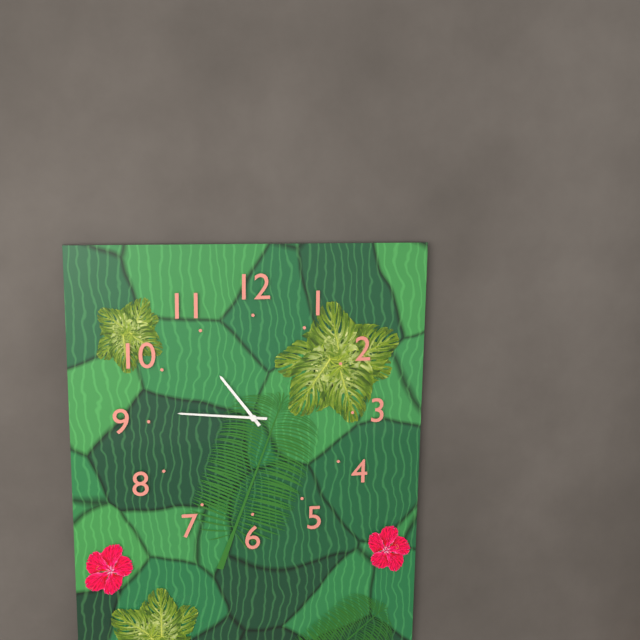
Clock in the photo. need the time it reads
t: 10:46
